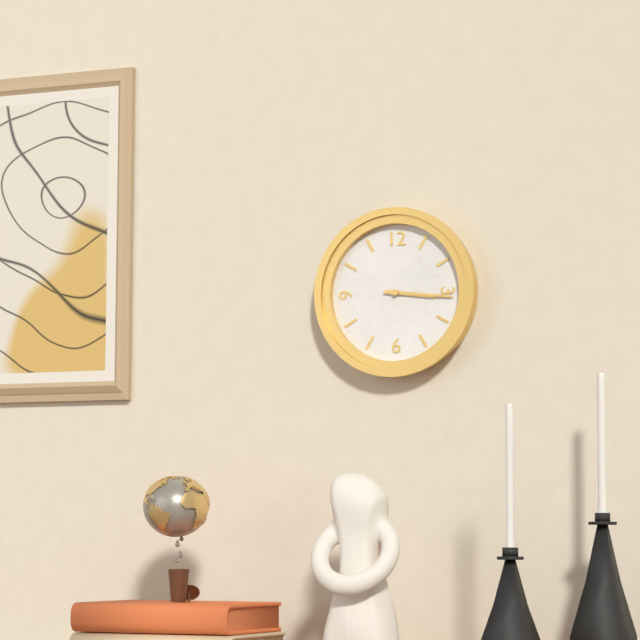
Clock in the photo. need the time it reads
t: 3:16
